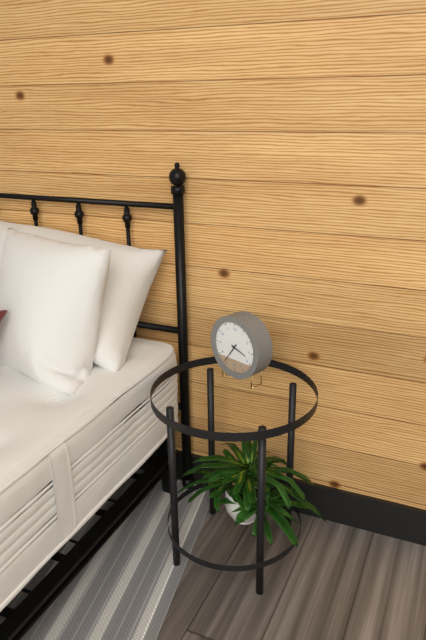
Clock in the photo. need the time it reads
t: 3:36
